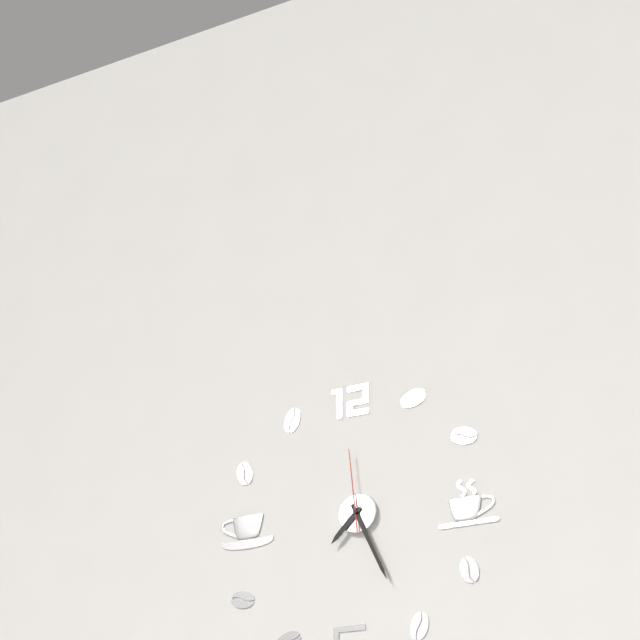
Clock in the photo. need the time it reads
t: 7:26:59
